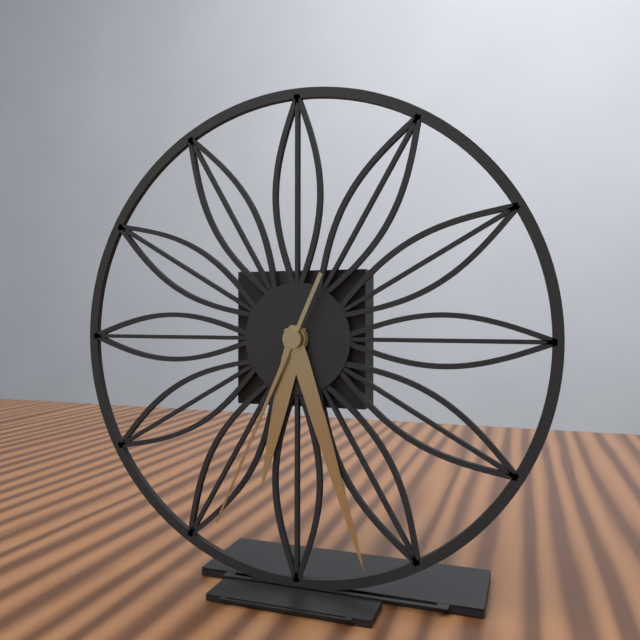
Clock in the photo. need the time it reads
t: 6:27:34
